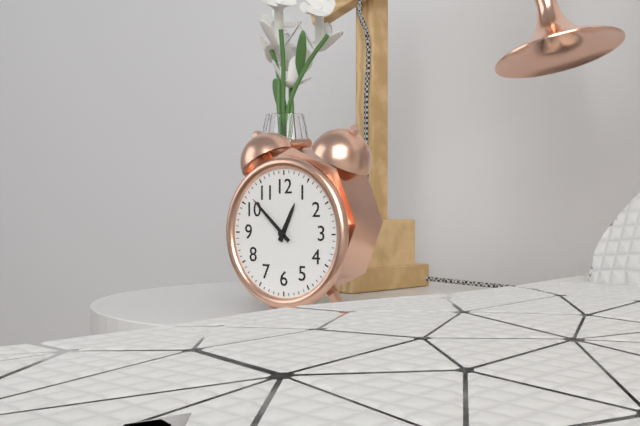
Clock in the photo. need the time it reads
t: 12:52
